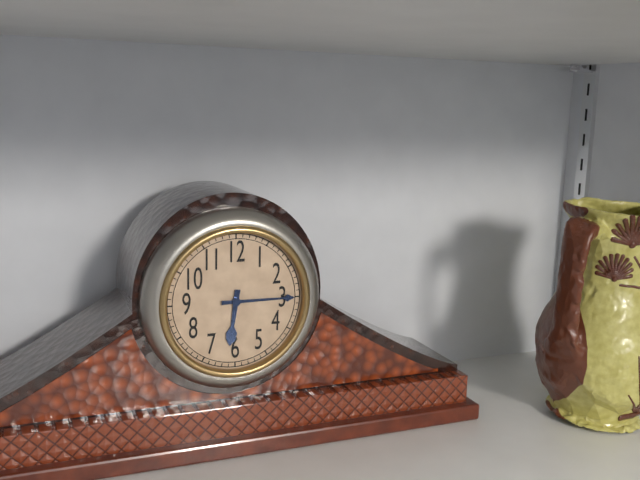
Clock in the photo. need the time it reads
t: 6:15
